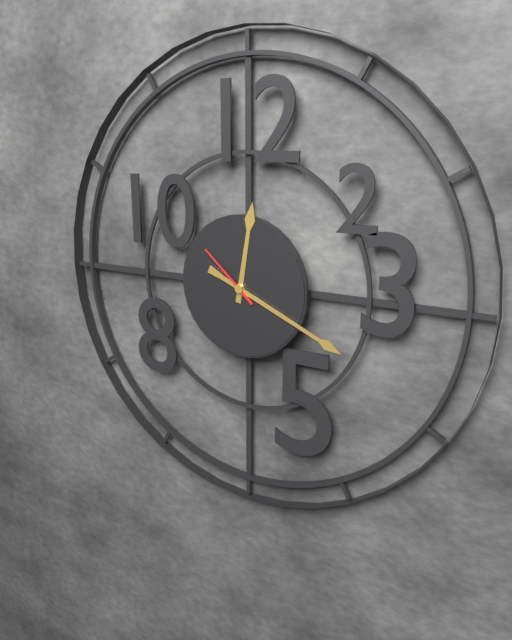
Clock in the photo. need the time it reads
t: 12:19:52
